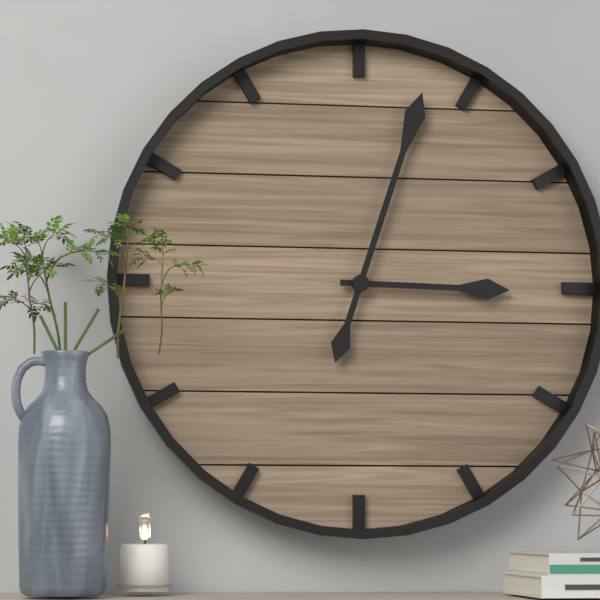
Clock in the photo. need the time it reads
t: 3:03
